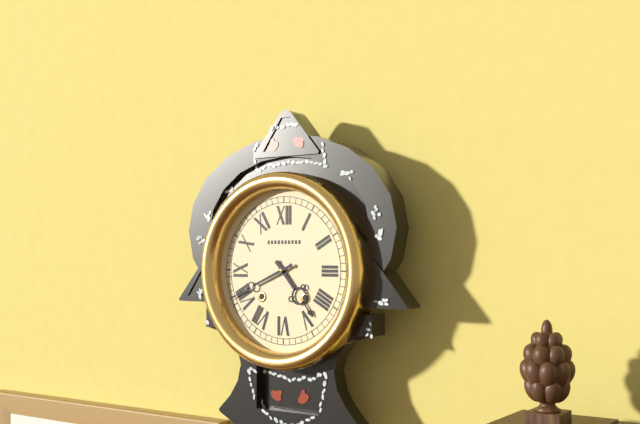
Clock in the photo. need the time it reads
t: 4:41
